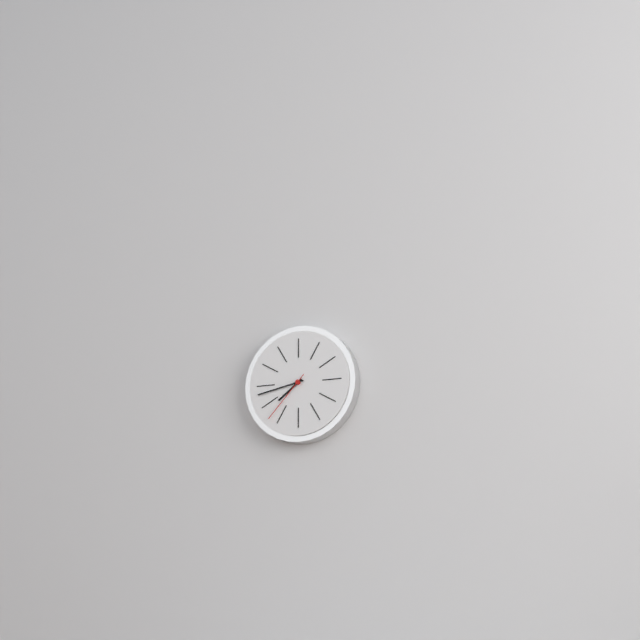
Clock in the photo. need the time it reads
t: 7:43:37
